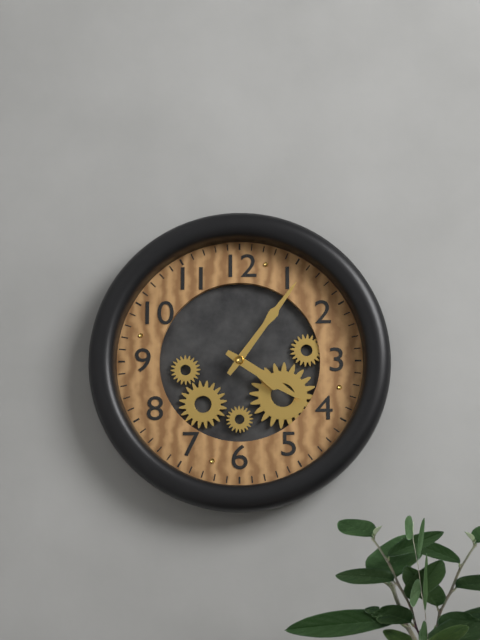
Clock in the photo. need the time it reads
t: 4:06
